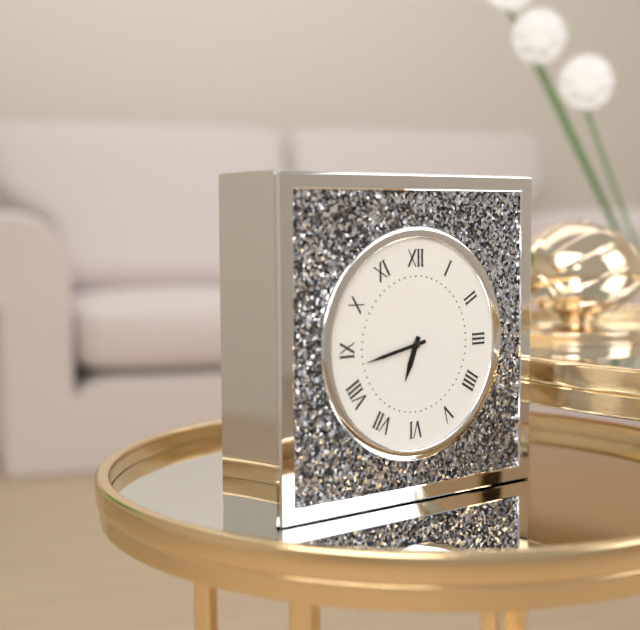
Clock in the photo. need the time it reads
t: 6:43
